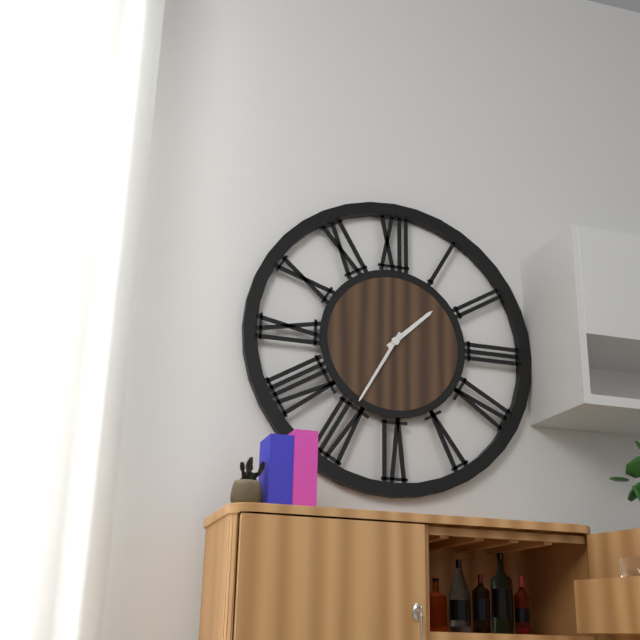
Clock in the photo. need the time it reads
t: 1:35
